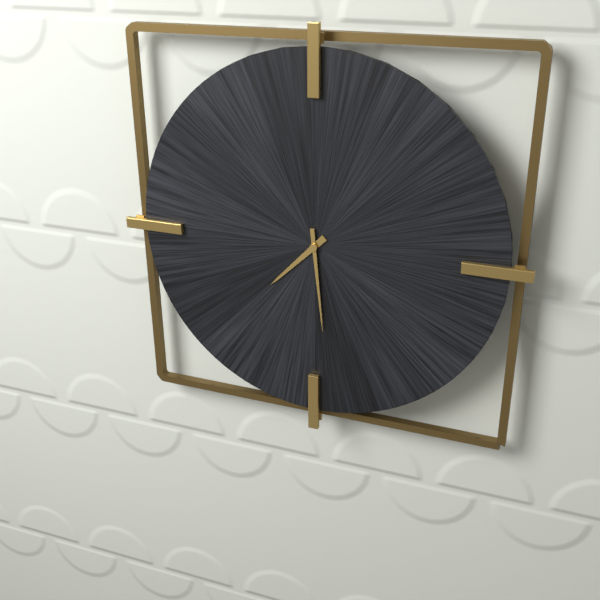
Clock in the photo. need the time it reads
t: 7:29
